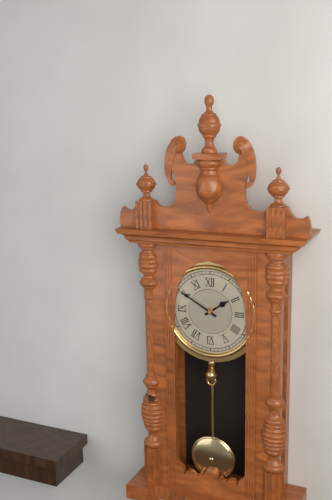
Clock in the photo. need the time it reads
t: 1:50
